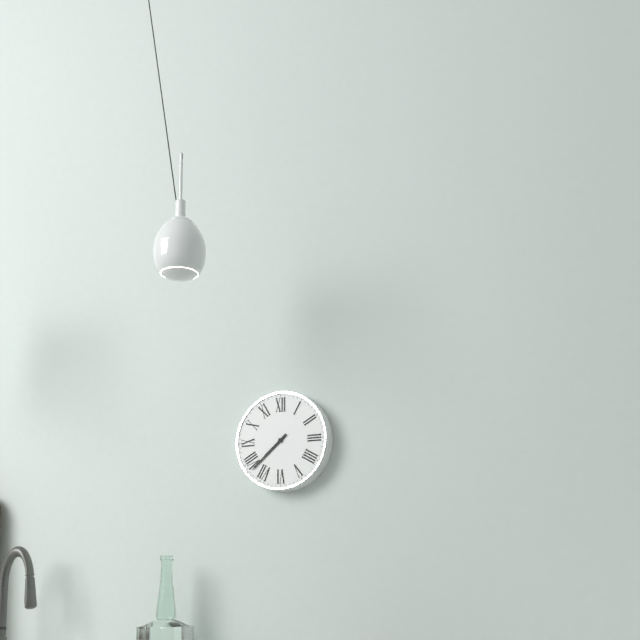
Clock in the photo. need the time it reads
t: 7:38
